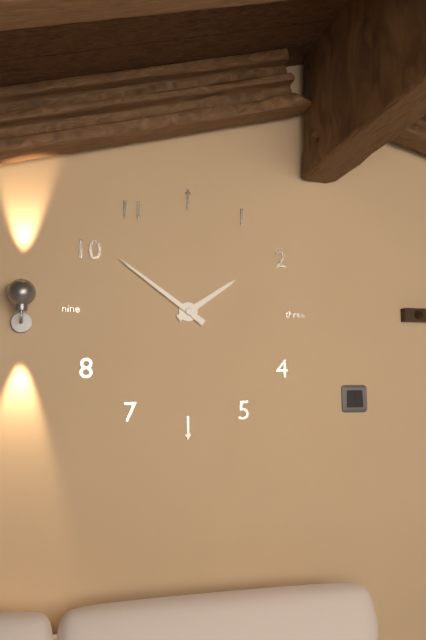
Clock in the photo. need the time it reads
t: 1:51
